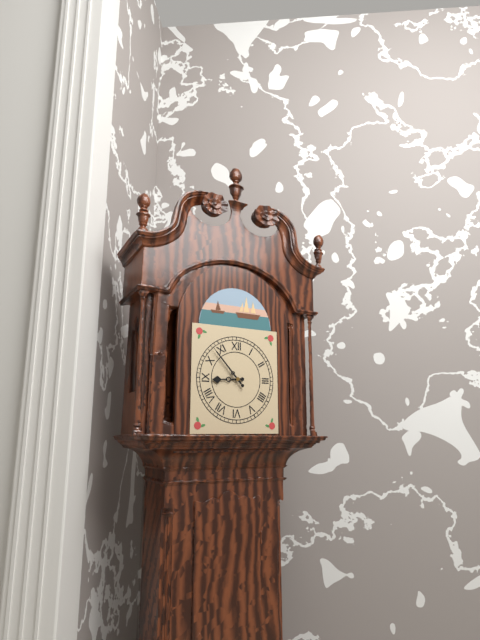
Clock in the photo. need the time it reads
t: 8:53
